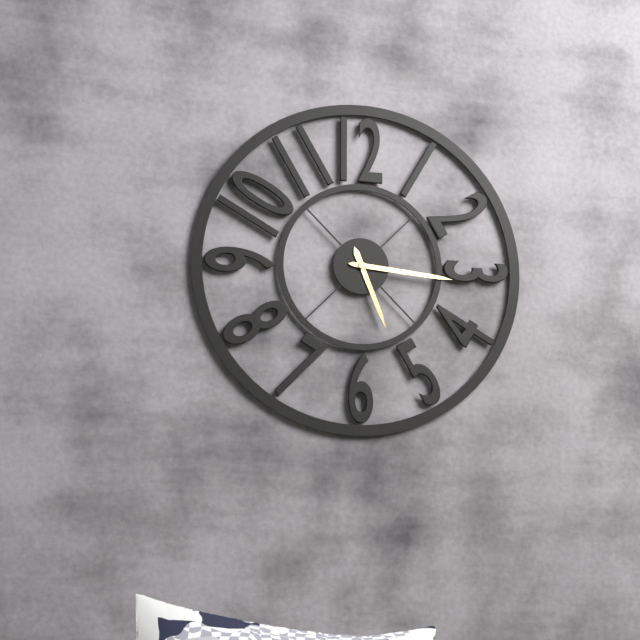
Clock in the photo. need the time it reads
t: 5:16
